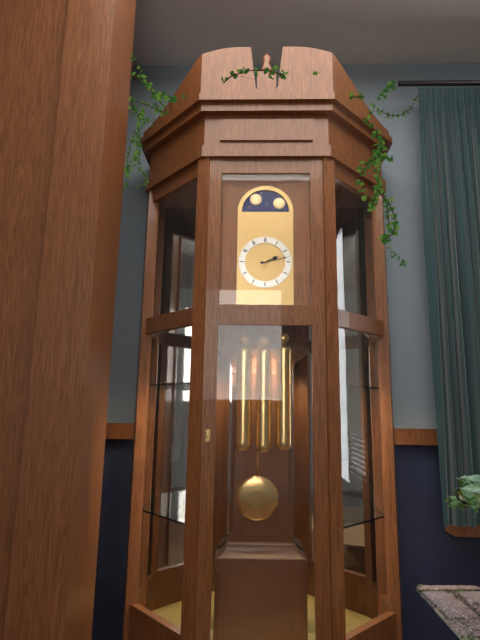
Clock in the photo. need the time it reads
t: 2:13
